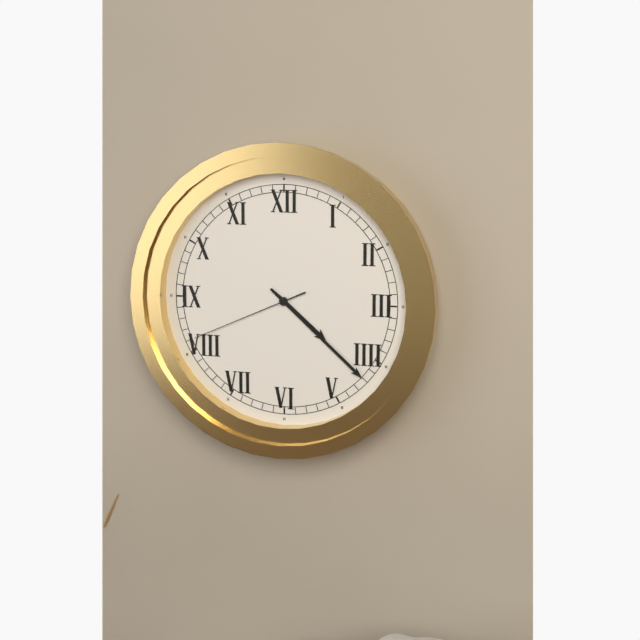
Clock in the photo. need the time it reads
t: 4:22:41
